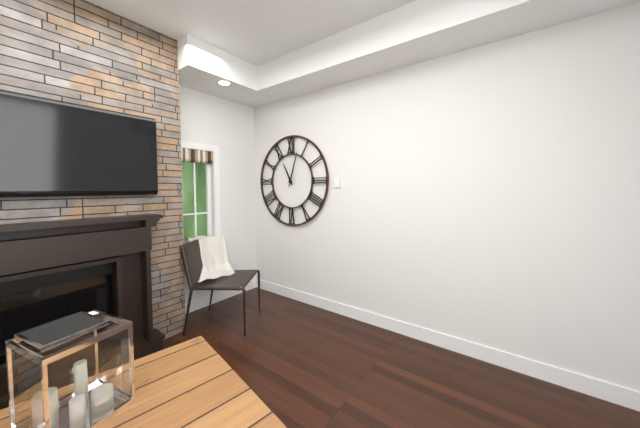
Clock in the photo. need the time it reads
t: 11:03
